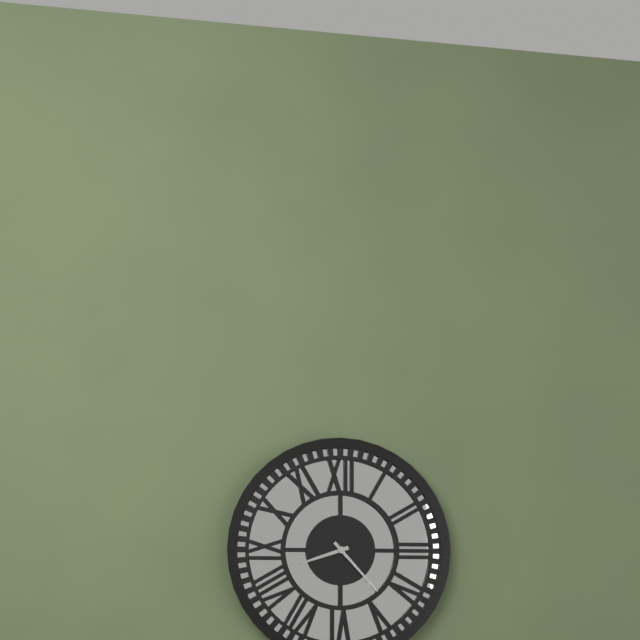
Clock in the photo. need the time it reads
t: 8:23
